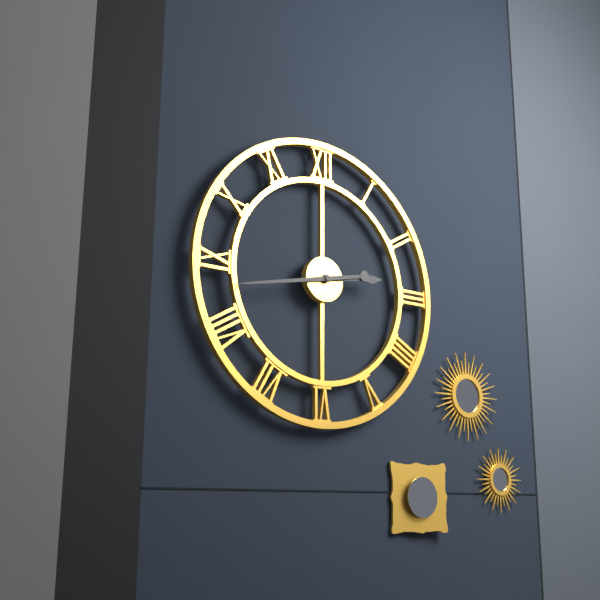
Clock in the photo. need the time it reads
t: 2:43
